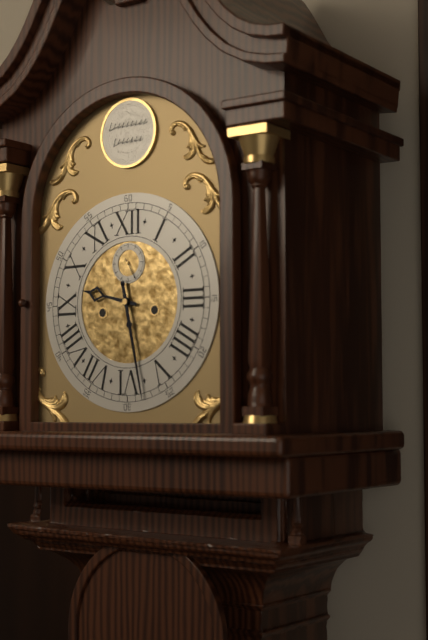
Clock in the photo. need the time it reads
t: 9:28:25
